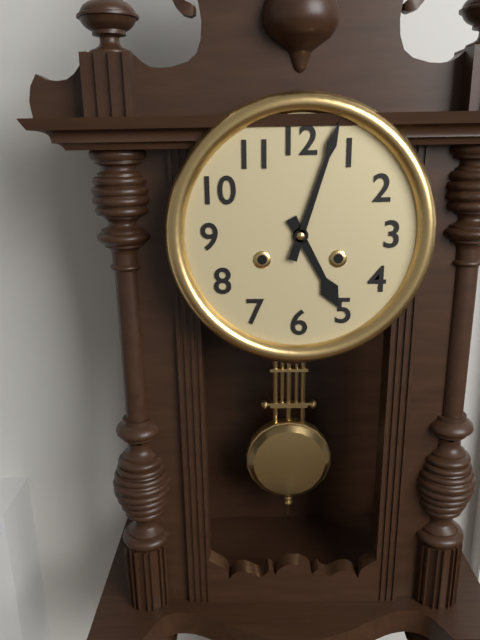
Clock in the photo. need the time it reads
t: 5:03
